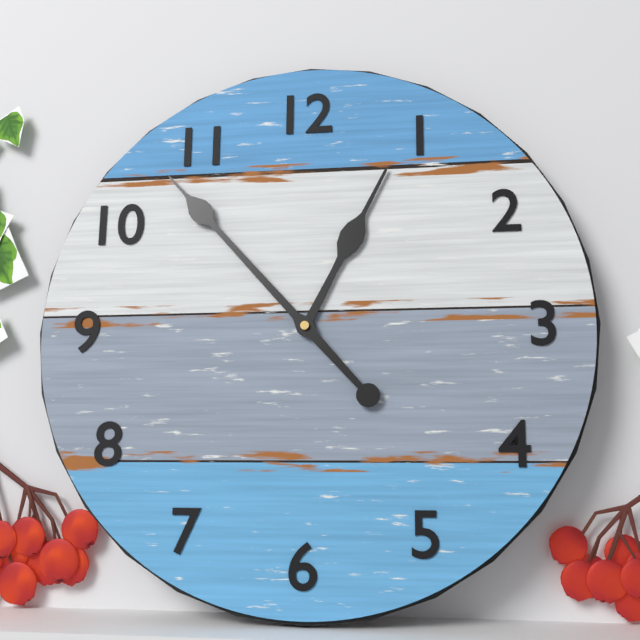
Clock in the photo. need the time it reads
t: 12:53
